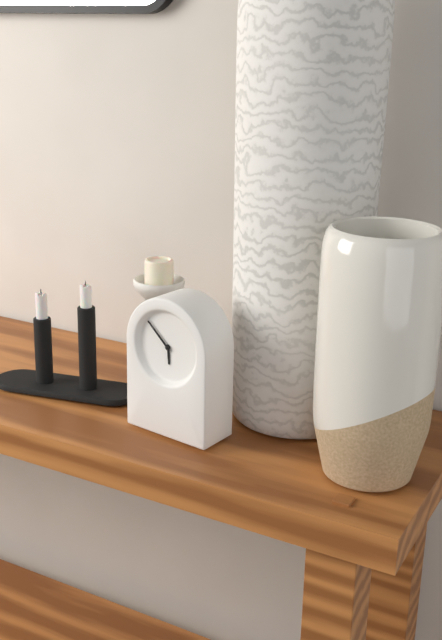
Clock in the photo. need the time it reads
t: 5:52
